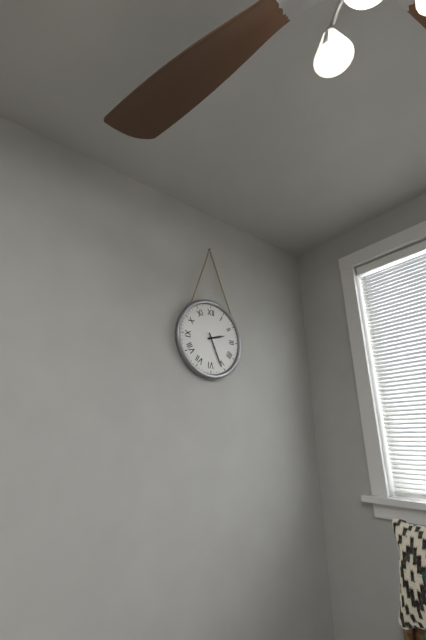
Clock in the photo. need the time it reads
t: 2:26
